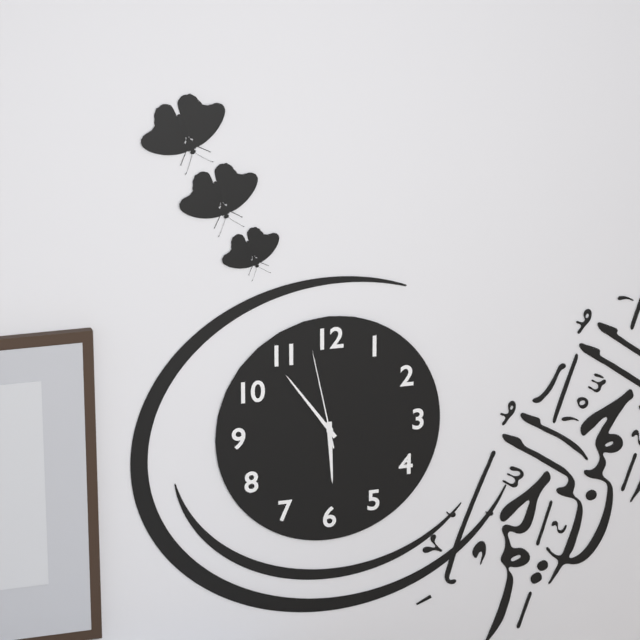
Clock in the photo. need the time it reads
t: 5:54:58
